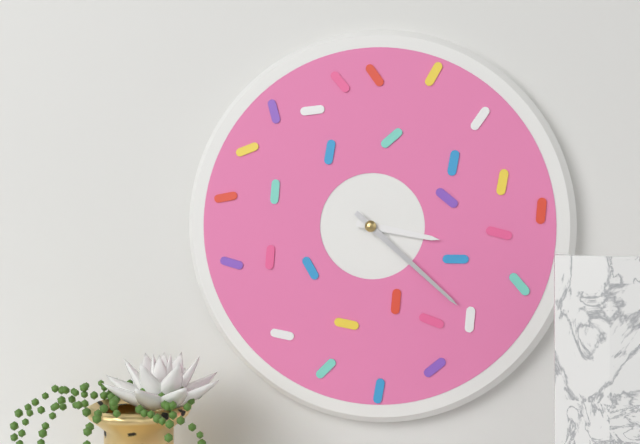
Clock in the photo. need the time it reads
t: 3:22
